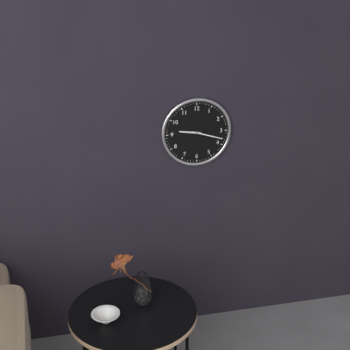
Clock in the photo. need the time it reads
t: 9:18
